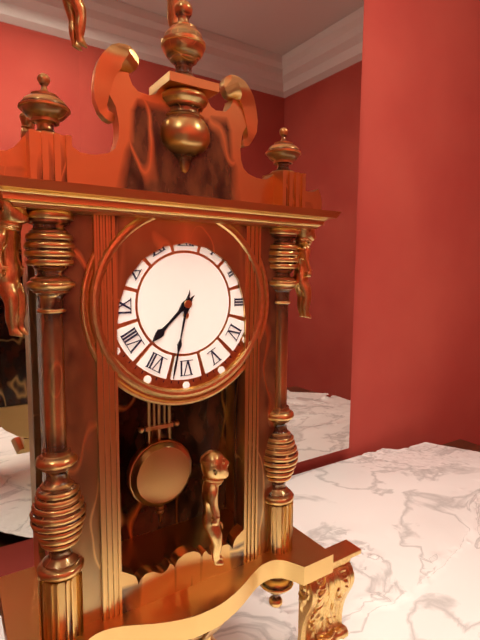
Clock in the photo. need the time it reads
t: 7:32
